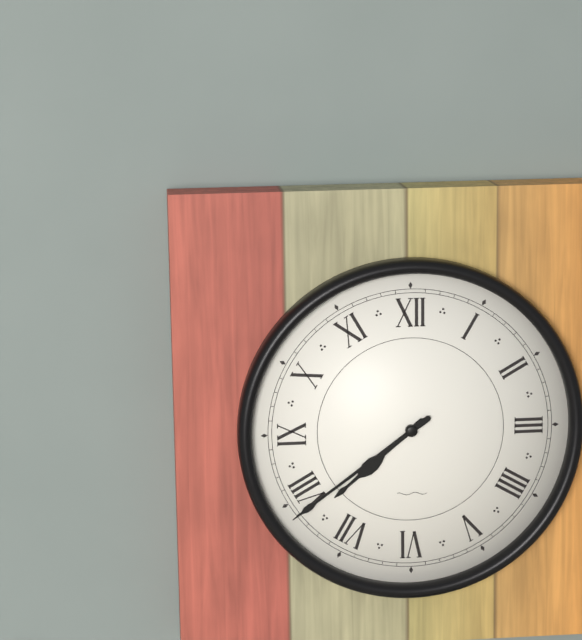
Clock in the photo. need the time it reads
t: 7:39
